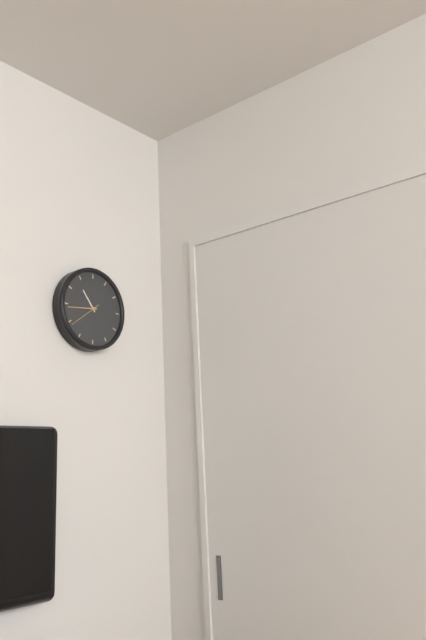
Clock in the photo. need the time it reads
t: 10:44
